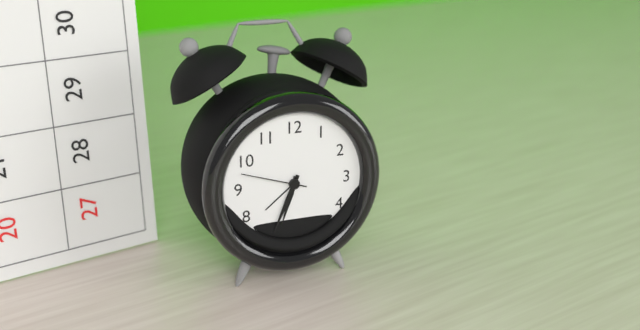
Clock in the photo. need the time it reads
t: 6:34:48
